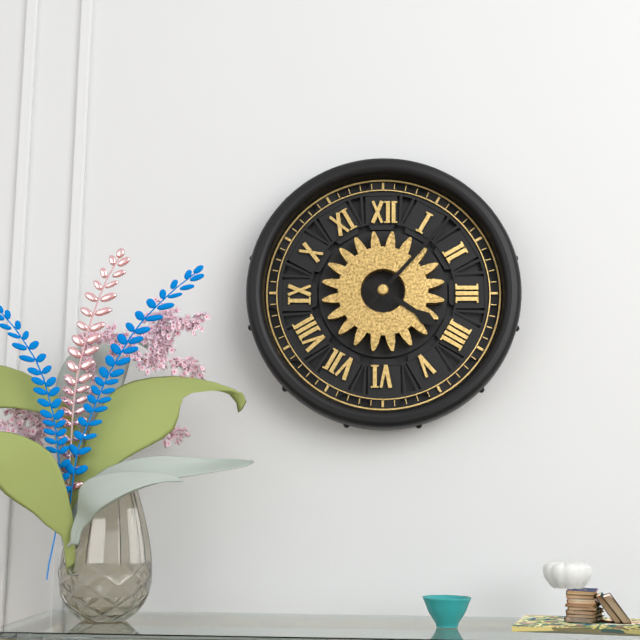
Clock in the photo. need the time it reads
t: 4:07
